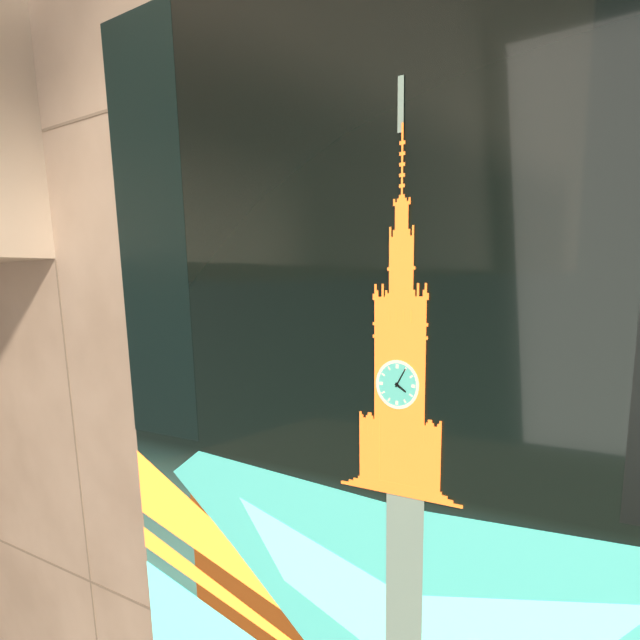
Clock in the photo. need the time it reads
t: 4:05
